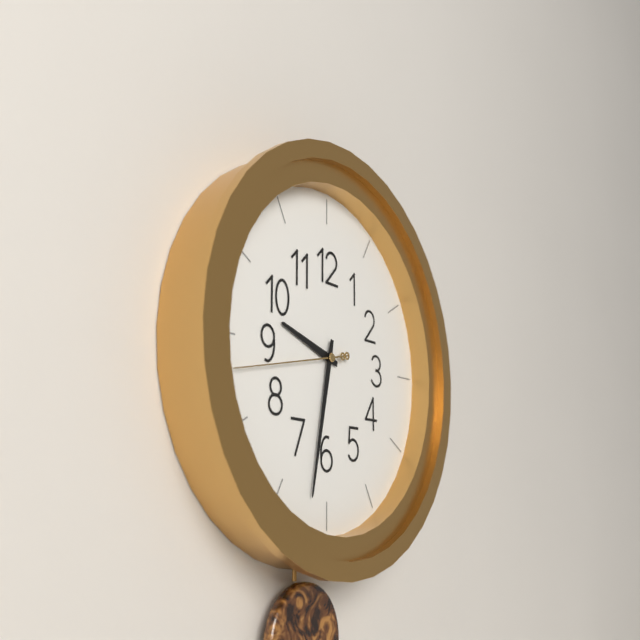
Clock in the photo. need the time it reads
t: 9:32:43
